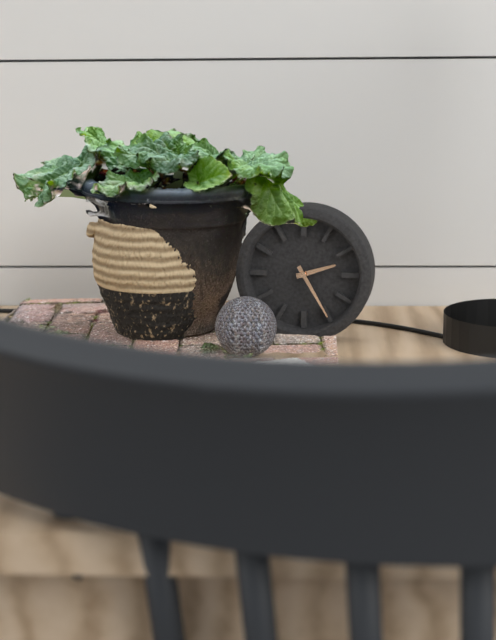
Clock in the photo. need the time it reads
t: 2:25
